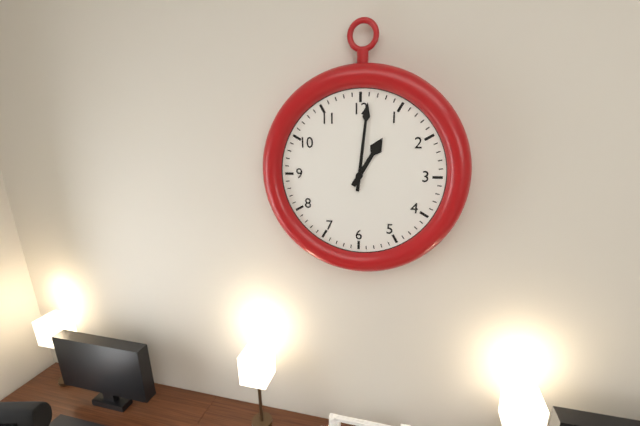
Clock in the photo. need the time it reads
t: 1:01
